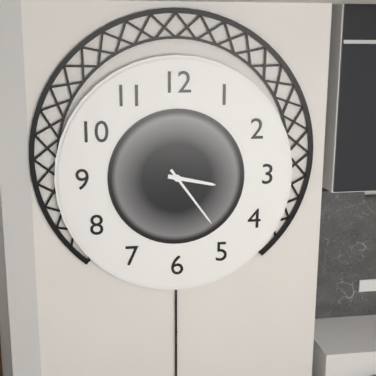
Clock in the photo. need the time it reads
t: 3:24
